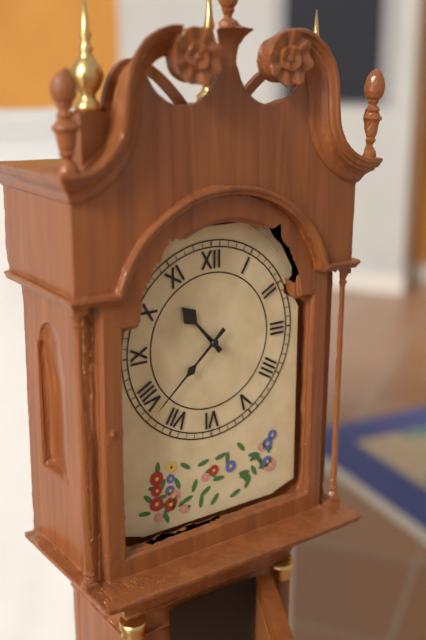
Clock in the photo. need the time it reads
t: 10:38
